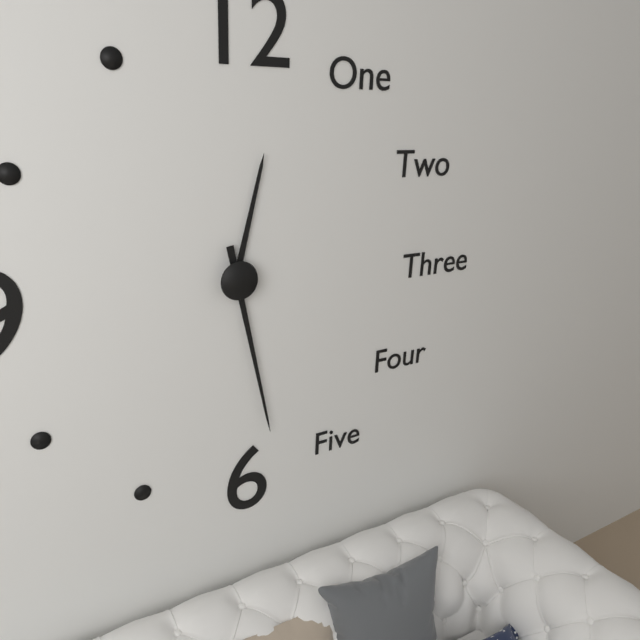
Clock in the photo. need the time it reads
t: 12:28
